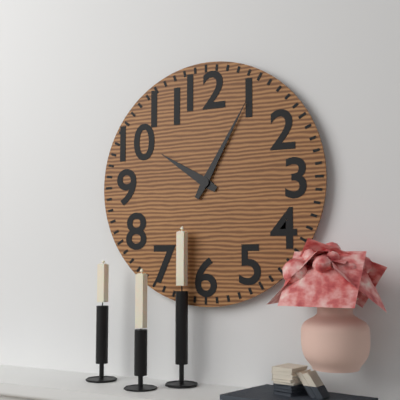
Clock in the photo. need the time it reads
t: 10:05
